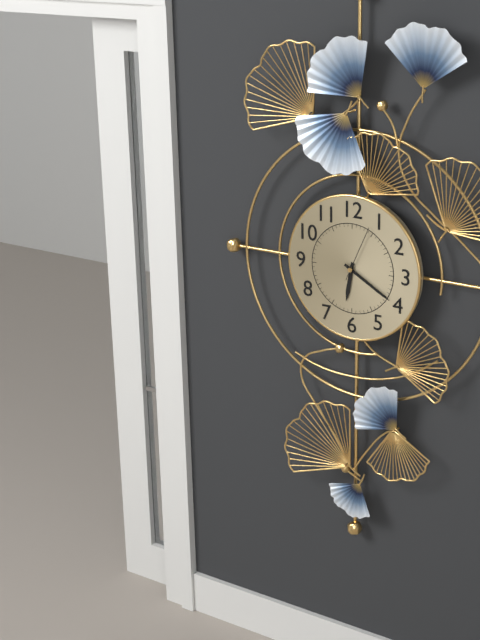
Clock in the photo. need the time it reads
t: 6:20:04
